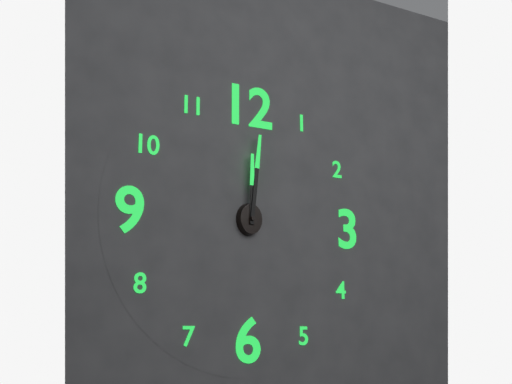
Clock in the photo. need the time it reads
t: 12:01
